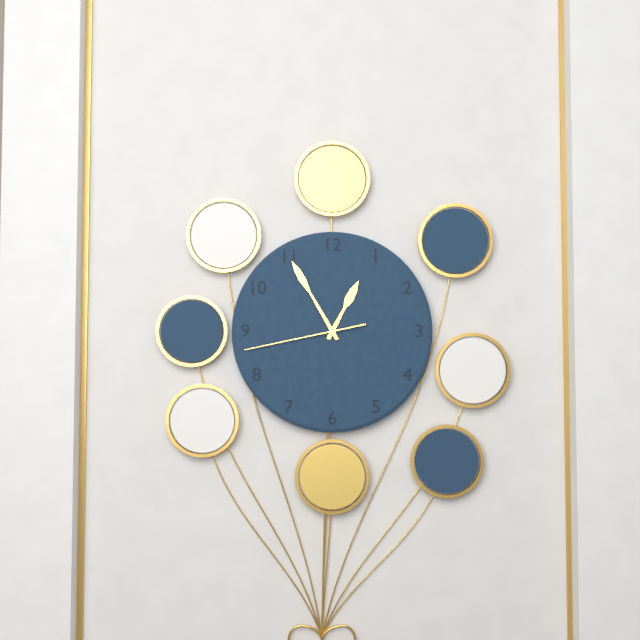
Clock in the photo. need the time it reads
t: 12:55:43
